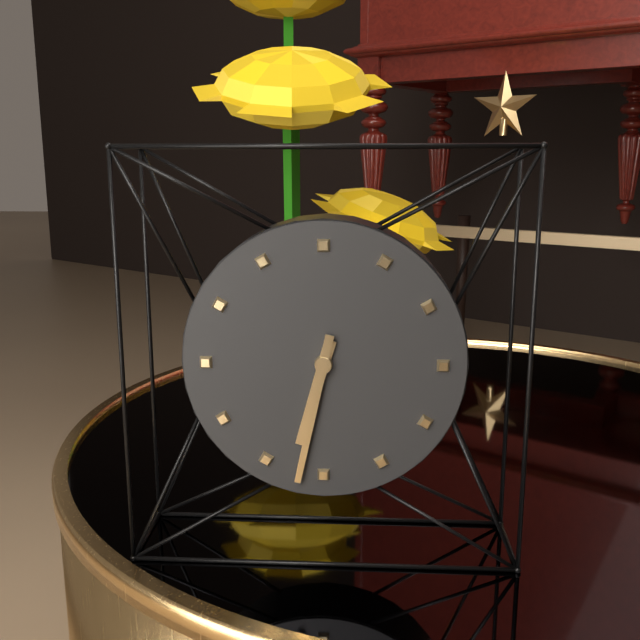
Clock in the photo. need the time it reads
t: 6:32
